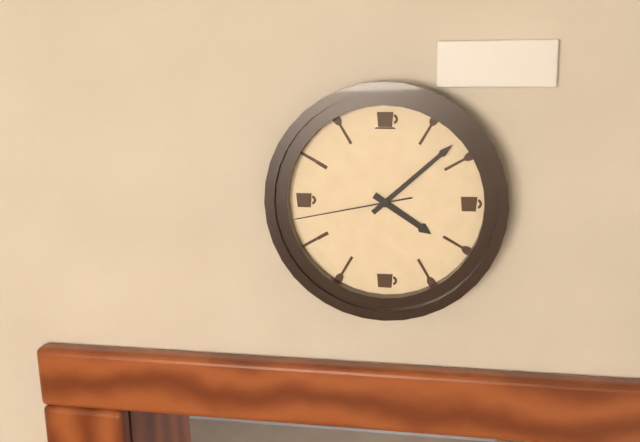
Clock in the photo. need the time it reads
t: 4:08:43
